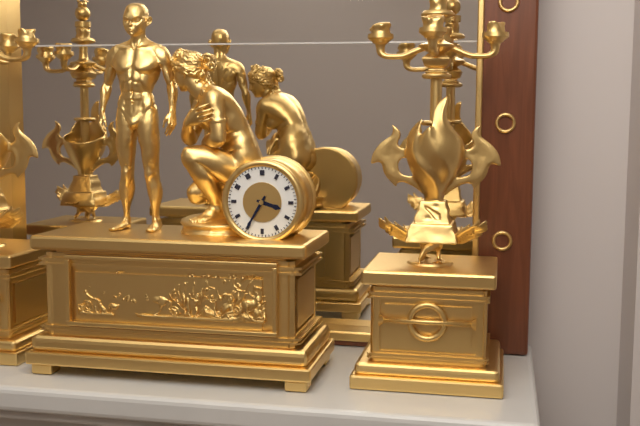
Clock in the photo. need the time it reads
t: 3:35
